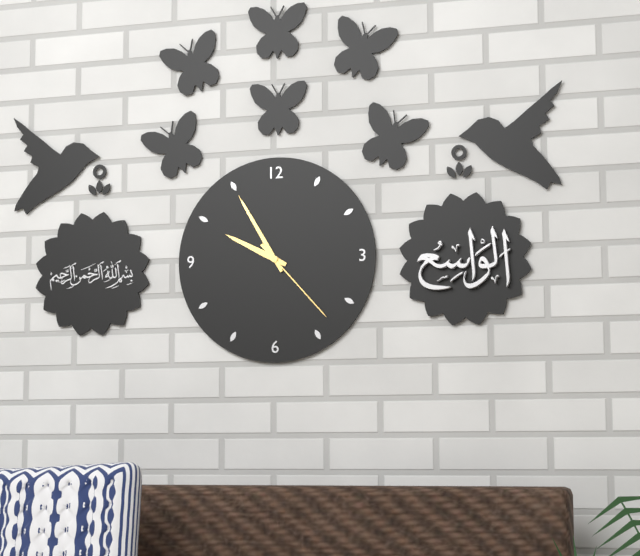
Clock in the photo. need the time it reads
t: 9:55:23
